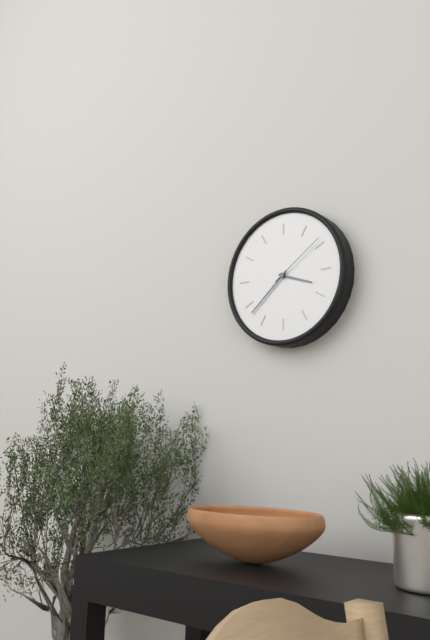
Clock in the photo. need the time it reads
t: 3:38:09
